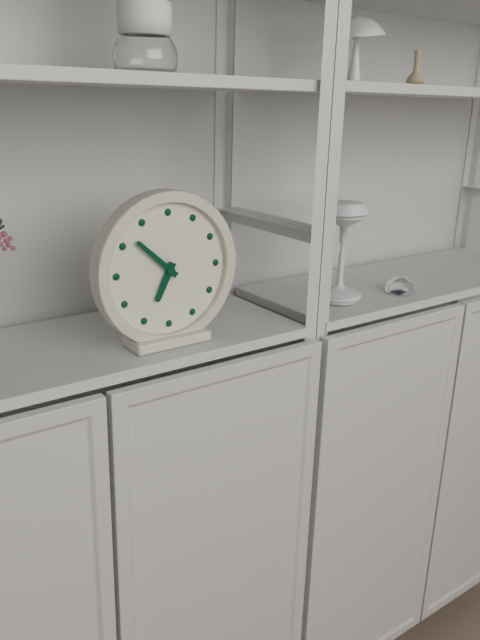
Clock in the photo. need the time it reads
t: 6:52
